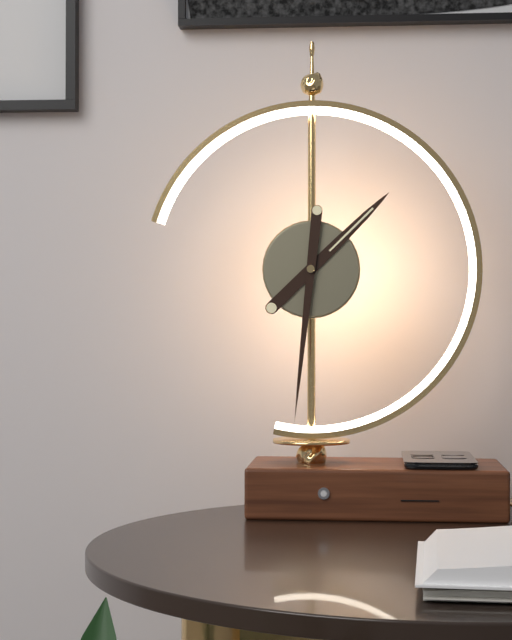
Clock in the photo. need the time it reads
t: 1:31
